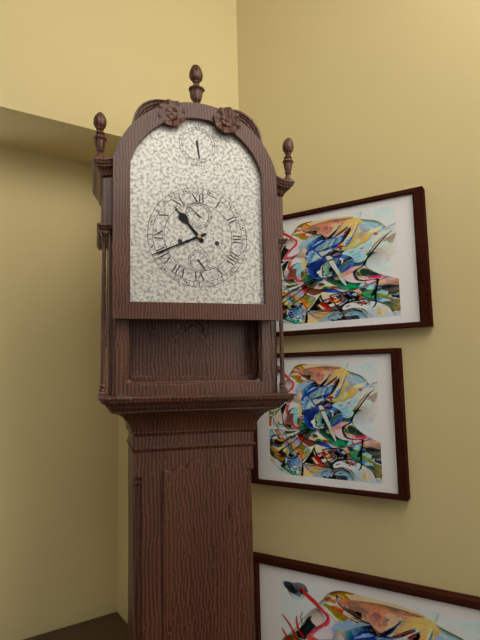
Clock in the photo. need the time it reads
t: 10:41
